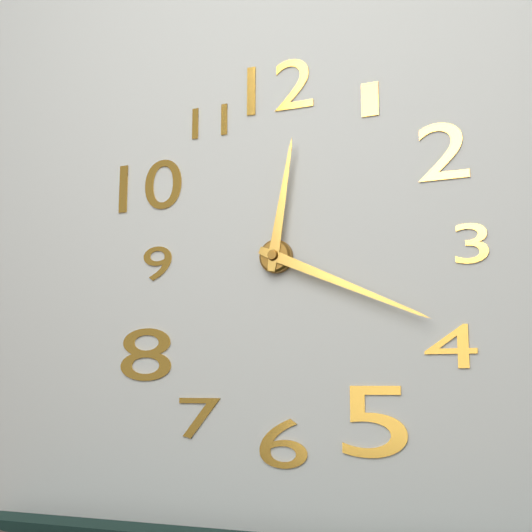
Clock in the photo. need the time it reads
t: 12:19
